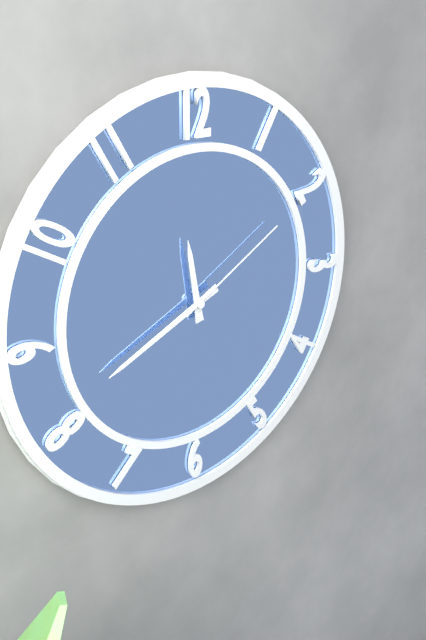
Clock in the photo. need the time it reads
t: 11:41:10
